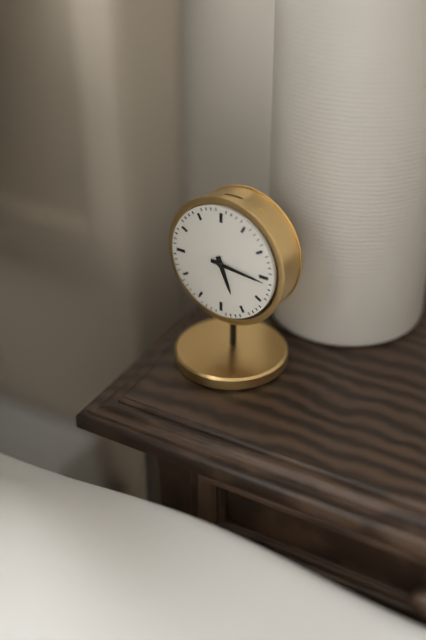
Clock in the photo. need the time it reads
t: 5:16
